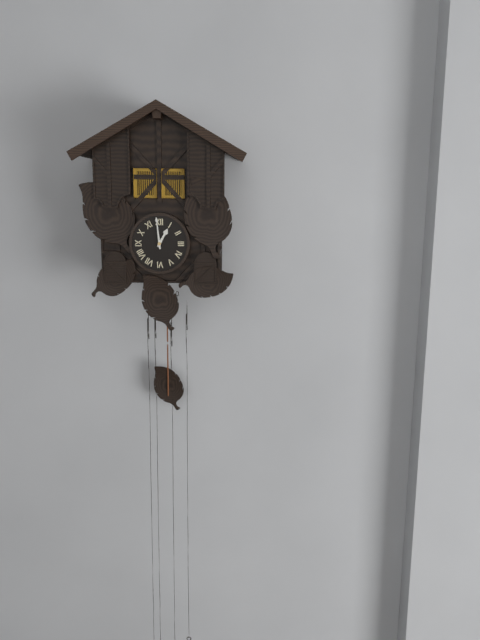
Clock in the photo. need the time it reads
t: 12:59
